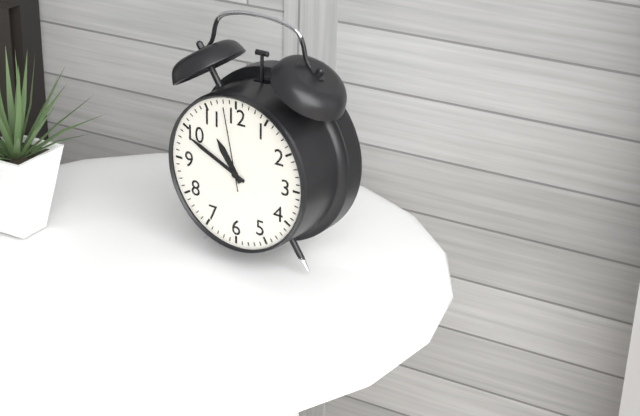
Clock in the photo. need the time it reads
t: 10:49:58
